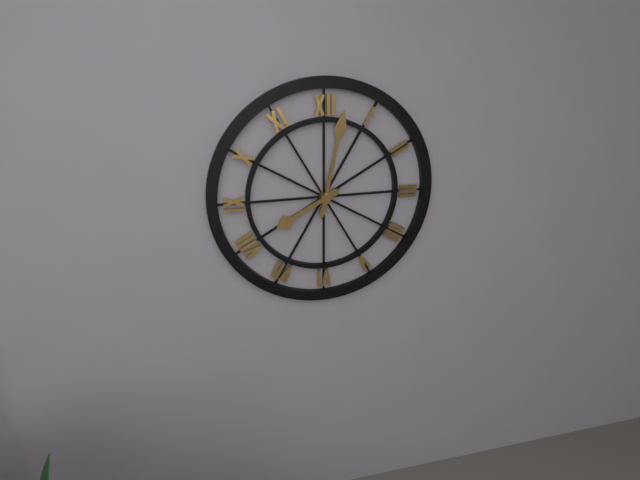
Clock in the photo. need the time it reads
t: 8:02
